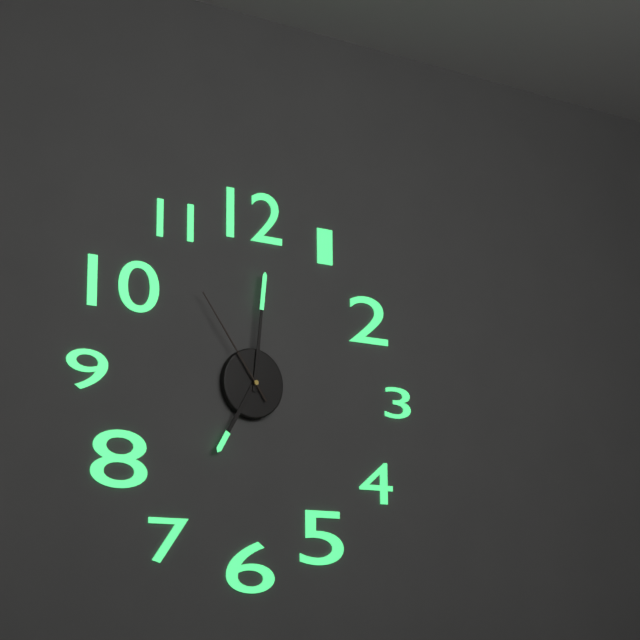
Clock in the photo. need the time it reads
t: 7:01:54
